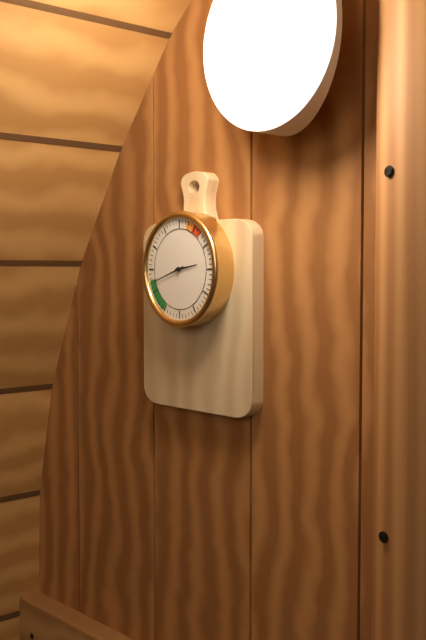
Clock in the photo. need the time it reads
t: 2:42
